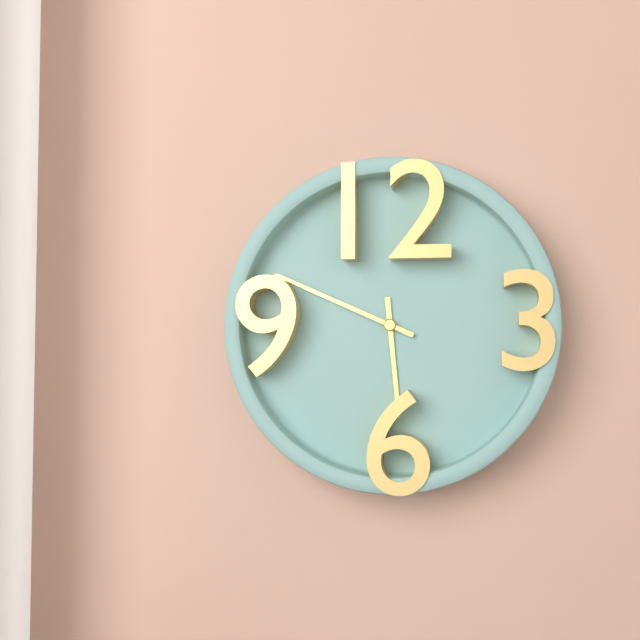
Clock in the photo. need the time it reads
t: 5:49
